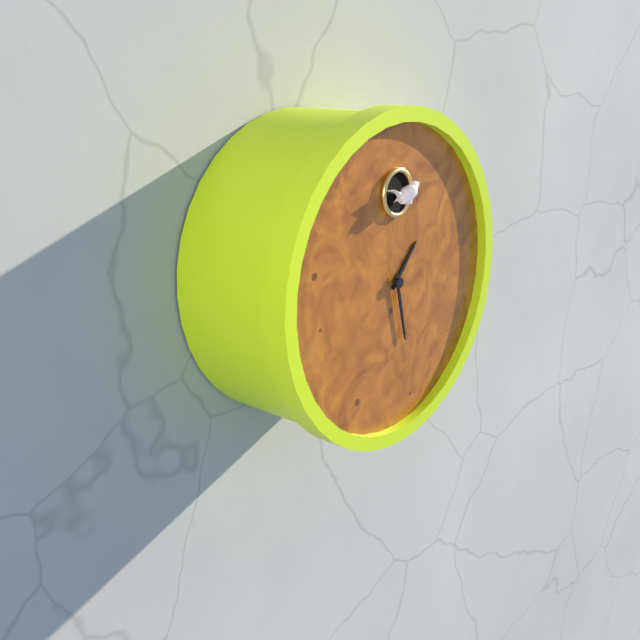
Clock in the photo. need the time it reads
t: 1:28
